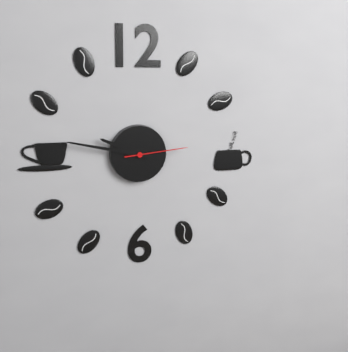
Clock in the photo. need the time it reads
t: 9:47:14
